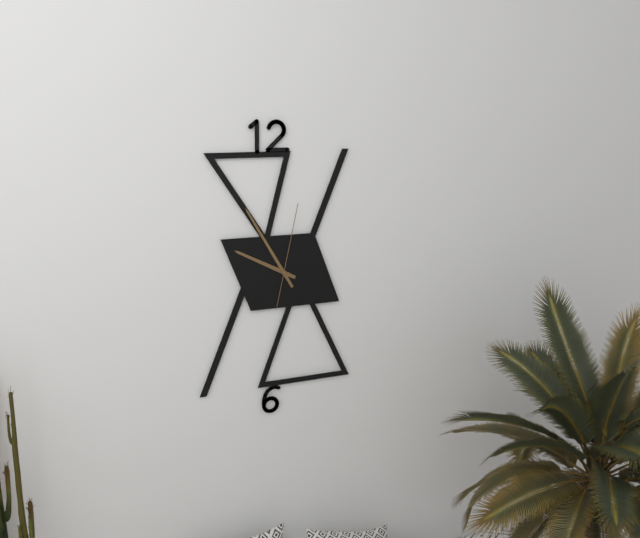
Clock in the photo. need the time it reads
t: 9:55:02
